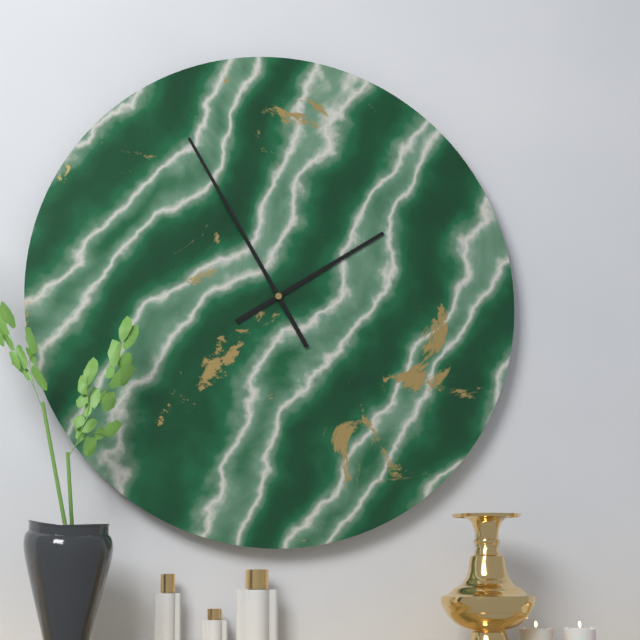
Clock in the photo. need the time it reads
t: 1:55
